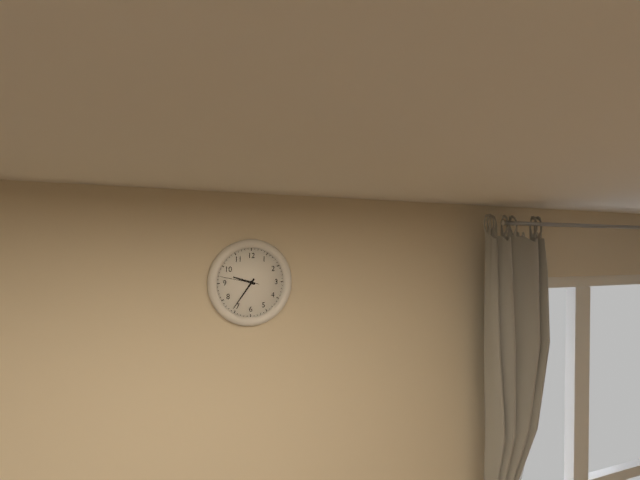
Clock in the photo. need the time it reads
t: 9:36
